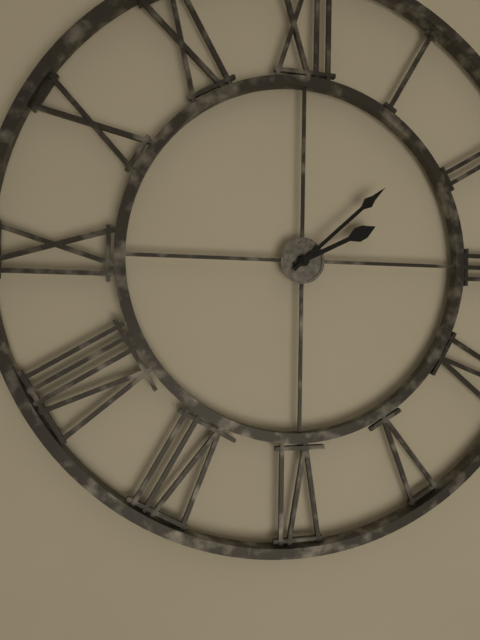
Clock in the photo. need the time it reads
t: 2:08
